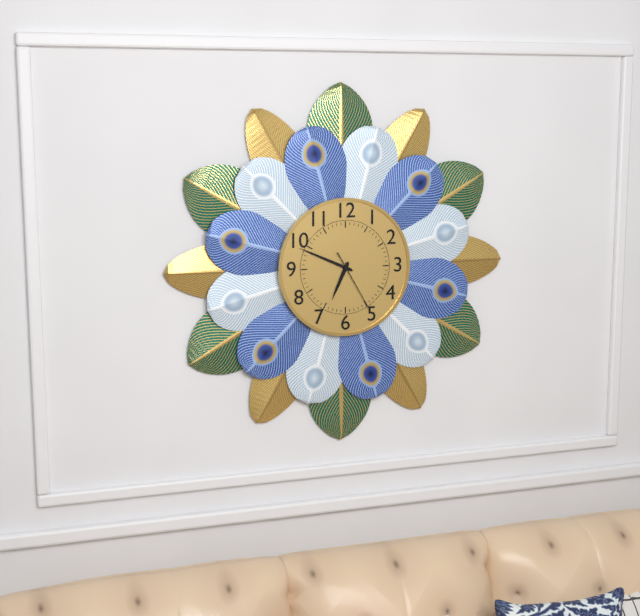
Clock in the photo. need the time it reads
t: 6:49:25
